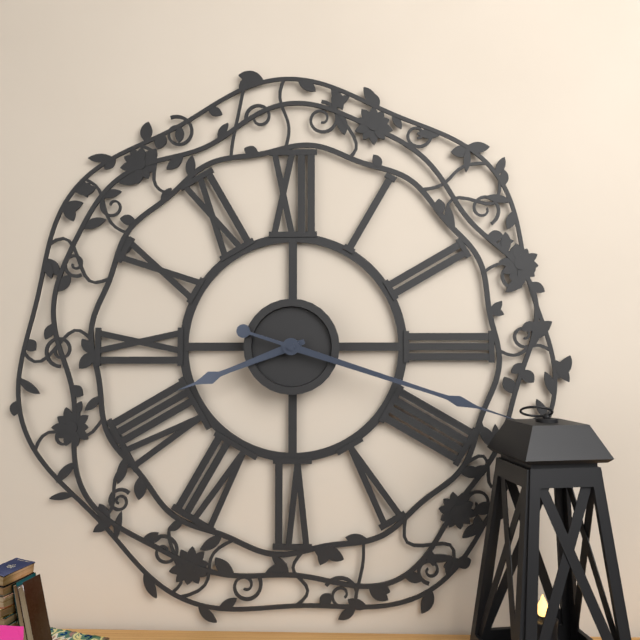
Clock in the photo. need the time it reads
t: 8:18
